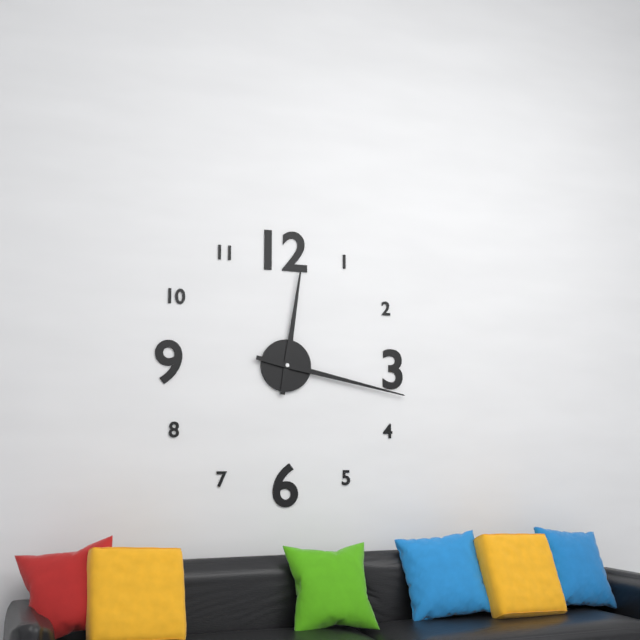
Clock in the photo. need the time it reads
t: 12:17
